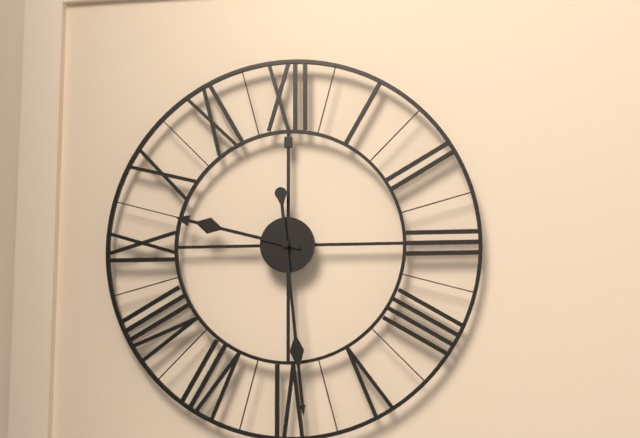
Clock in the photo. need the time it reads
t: 9:29
